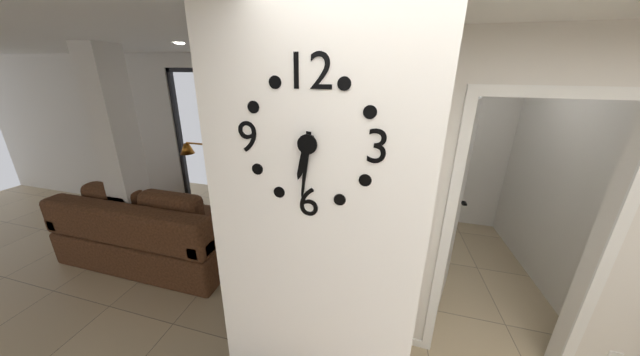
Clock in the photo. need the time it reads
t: 6:31
